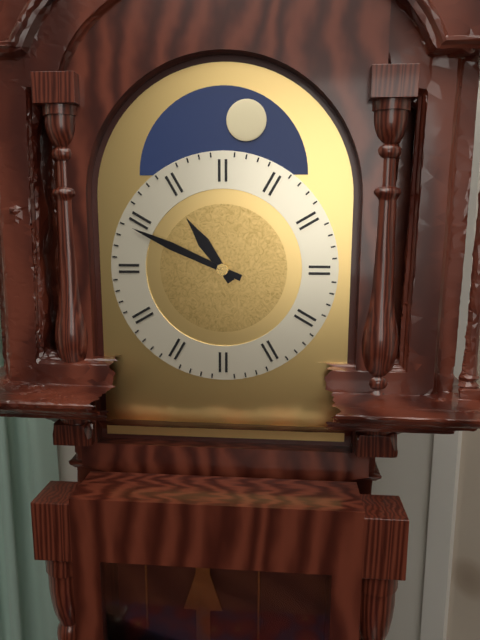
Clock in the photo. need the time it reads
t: 10:49
